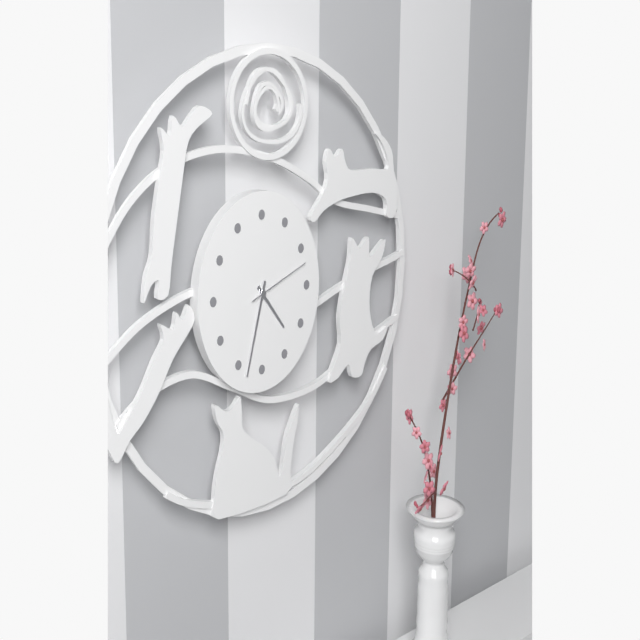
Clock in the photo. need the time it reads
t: 4:33:12
